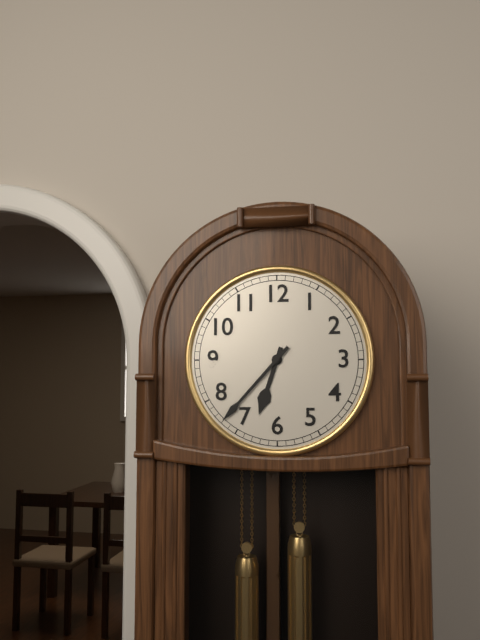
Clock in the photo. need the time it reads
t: 6:37
